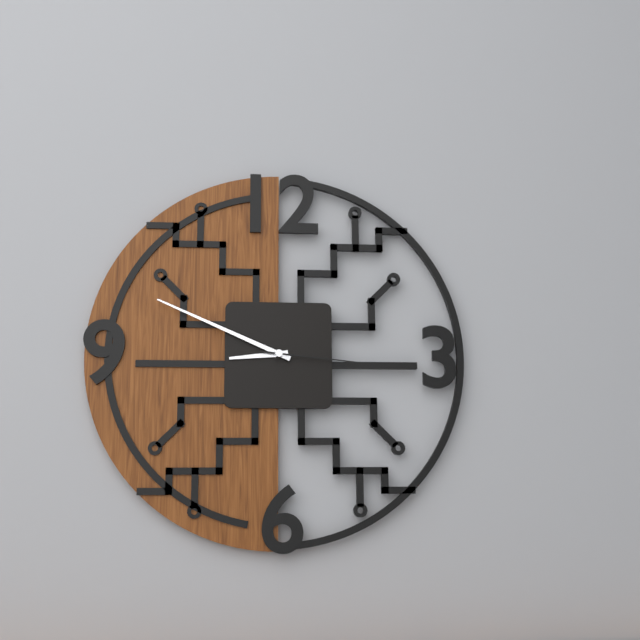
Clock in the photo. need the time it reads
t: 8:49:16
